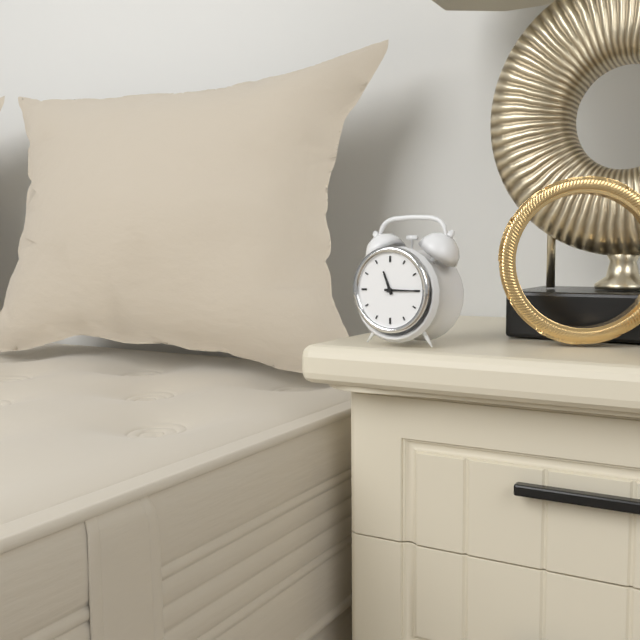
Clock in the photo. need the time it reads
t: 11:15
